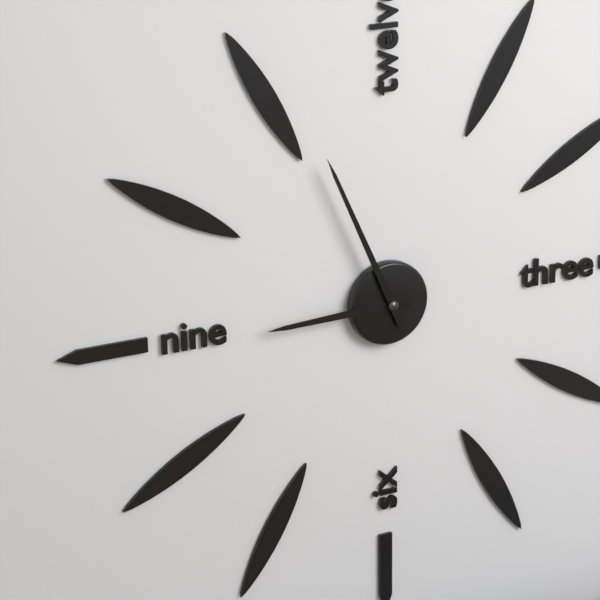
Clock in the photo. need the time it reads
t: 8:56
